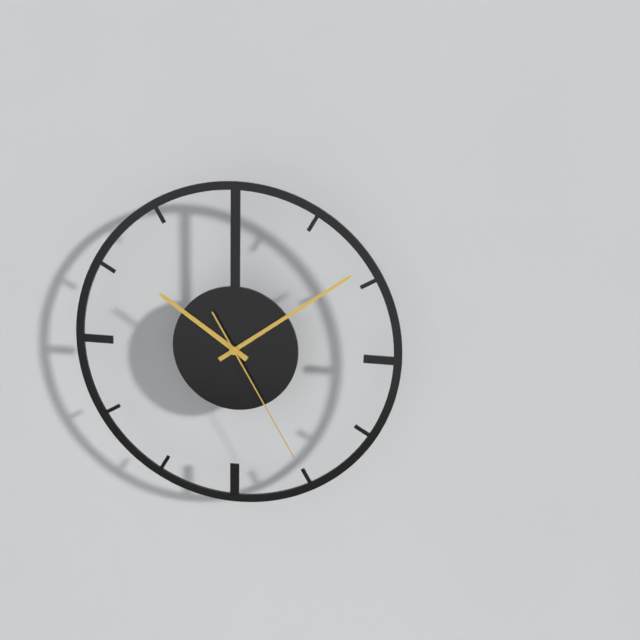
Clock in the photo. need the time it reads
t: 10:09:25
